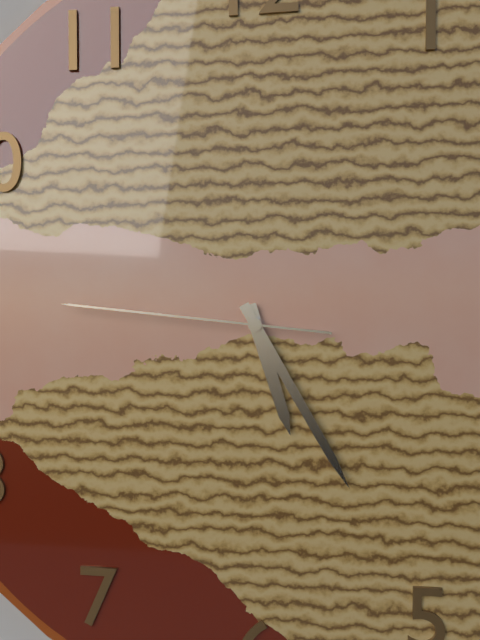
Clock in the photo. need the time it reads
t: 5:25:46
